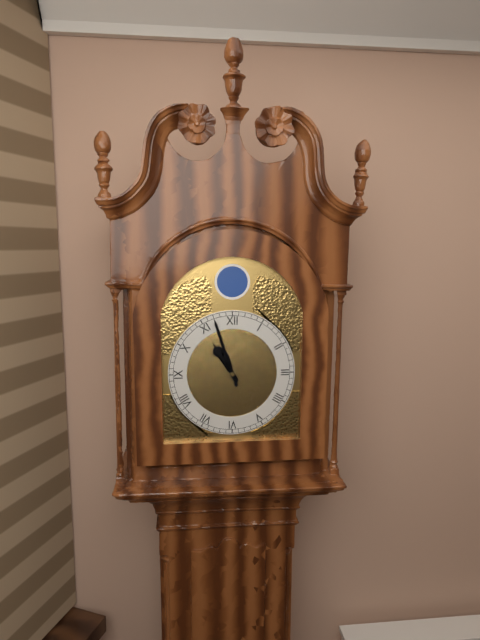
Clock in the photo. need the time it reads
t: 10:57
